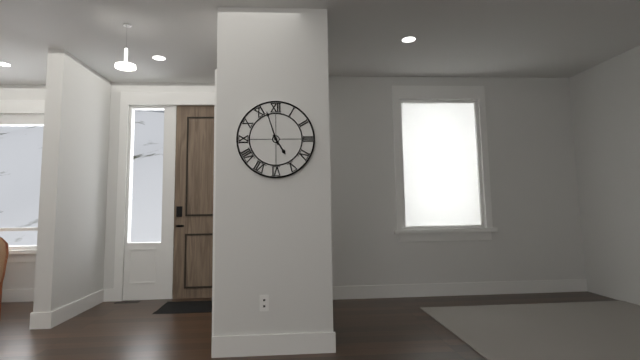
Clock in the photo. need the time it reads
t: 4:57
